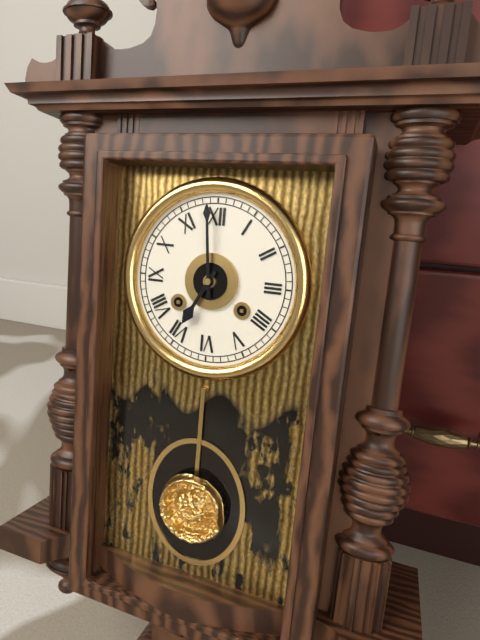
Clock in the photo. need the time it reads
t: 6:59
